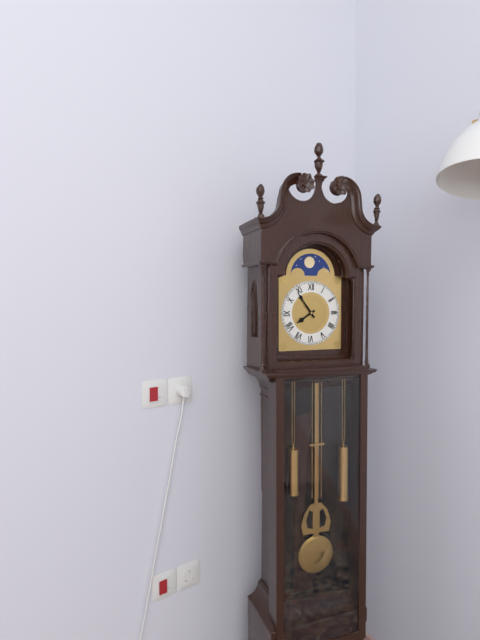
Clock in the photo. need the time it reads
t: 7:54
